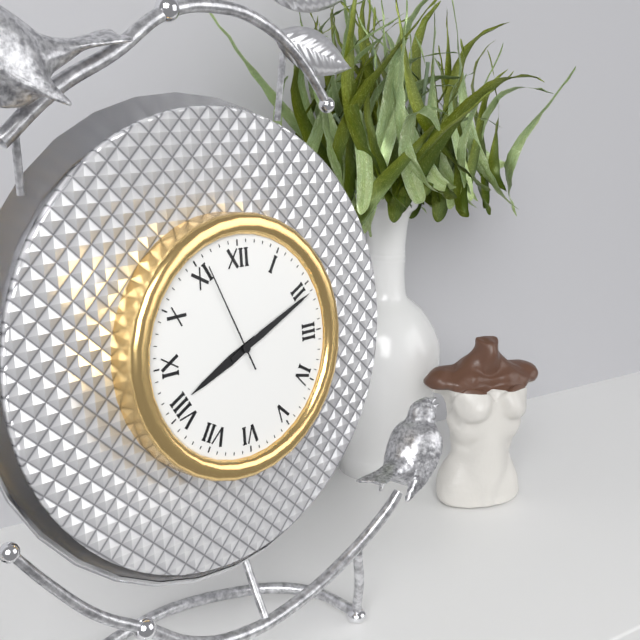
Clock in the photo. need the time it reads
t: 8:11:56
